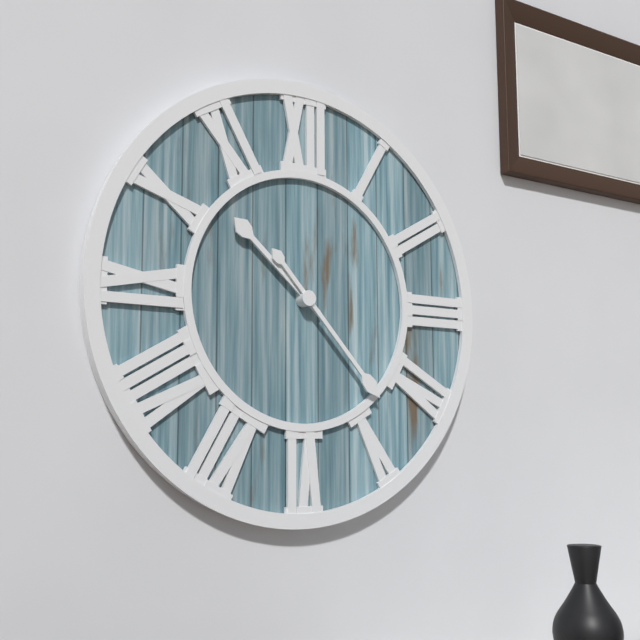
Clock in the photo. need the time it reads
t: 10:23
